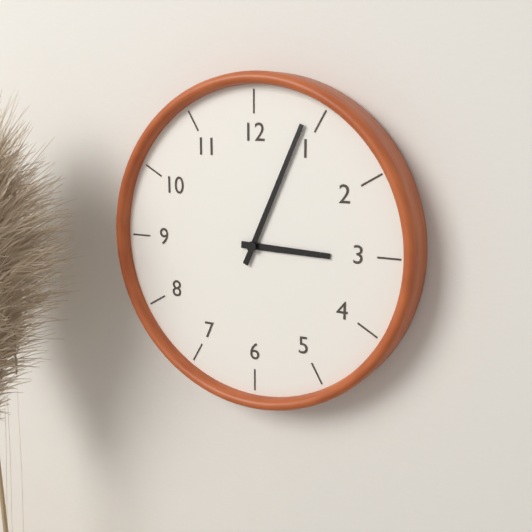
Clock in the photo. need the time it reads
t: 3:04
